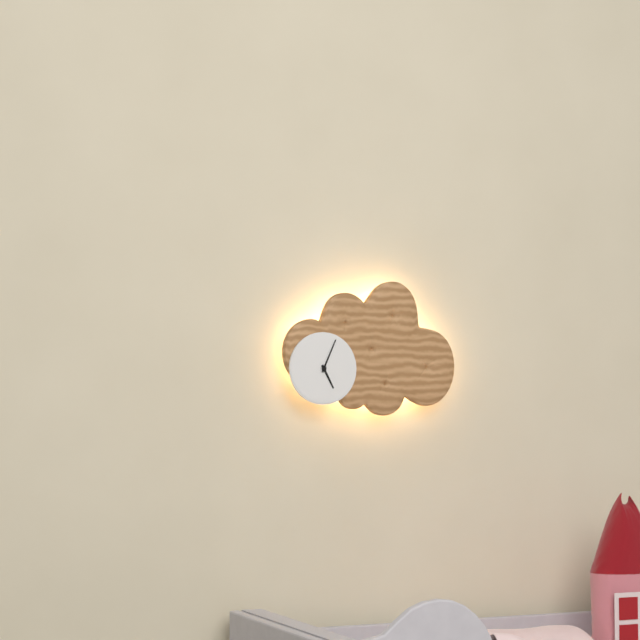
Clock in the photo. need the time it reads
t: 5:04
